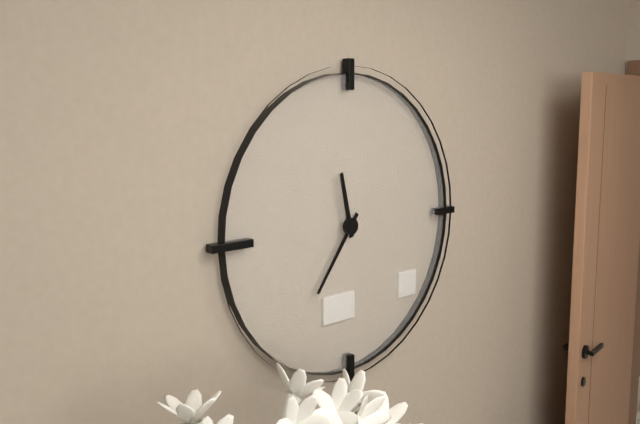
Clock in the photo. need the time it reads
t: 11:36
